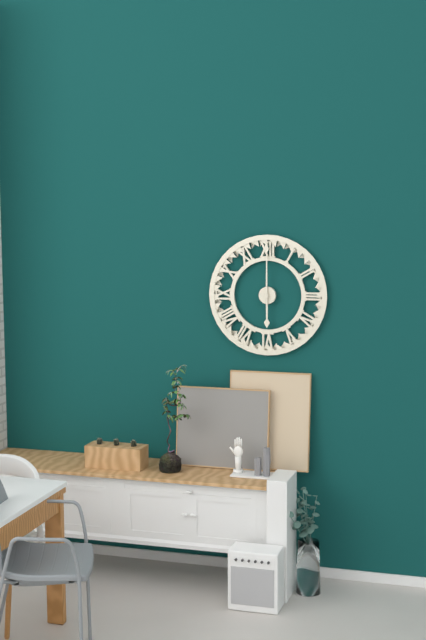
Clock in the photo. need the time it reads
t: 6:00
